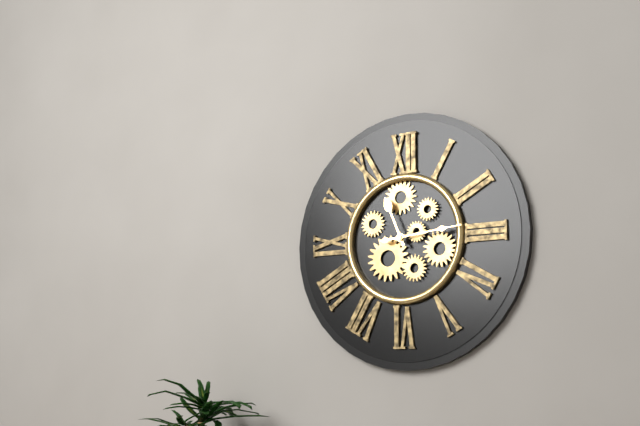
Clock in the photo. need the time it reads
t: 11:14
